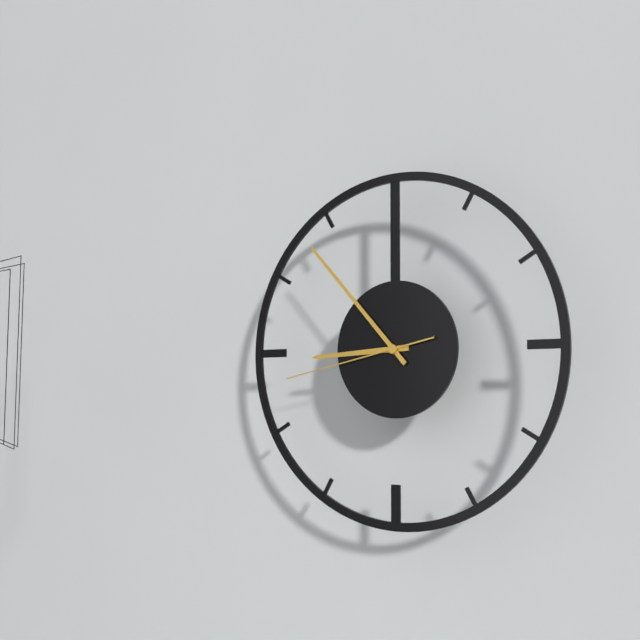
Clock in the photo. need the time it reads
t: 8:53:43
